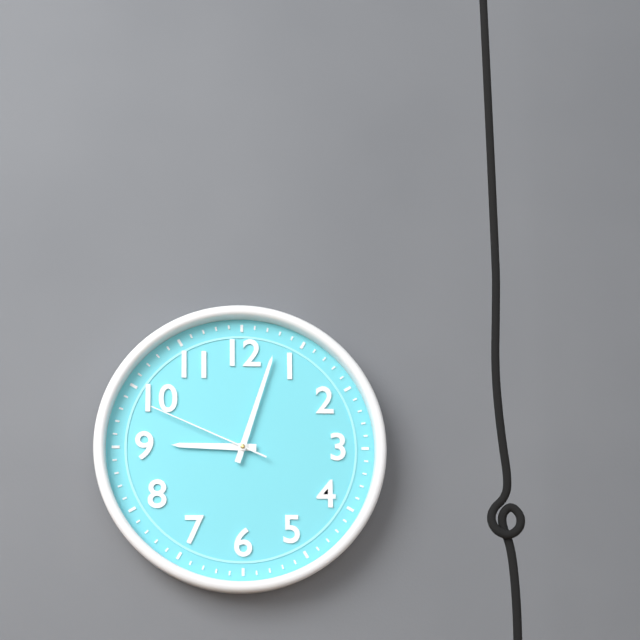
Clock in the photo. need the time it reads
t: 9:03:49
